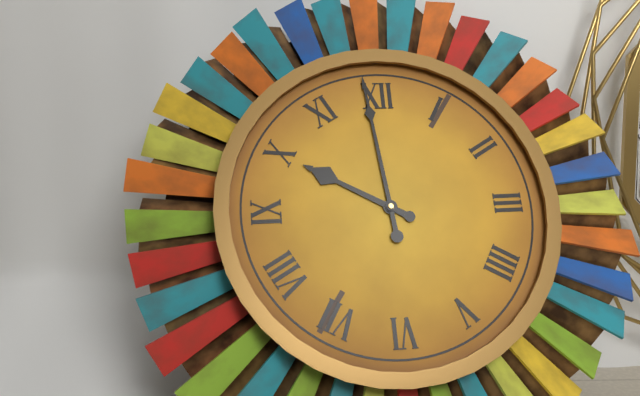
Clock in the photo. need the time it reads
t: 9:59
